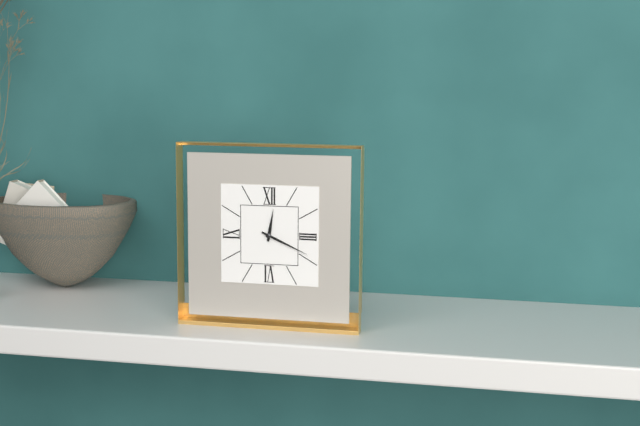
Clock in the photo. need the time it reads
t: 12:19
